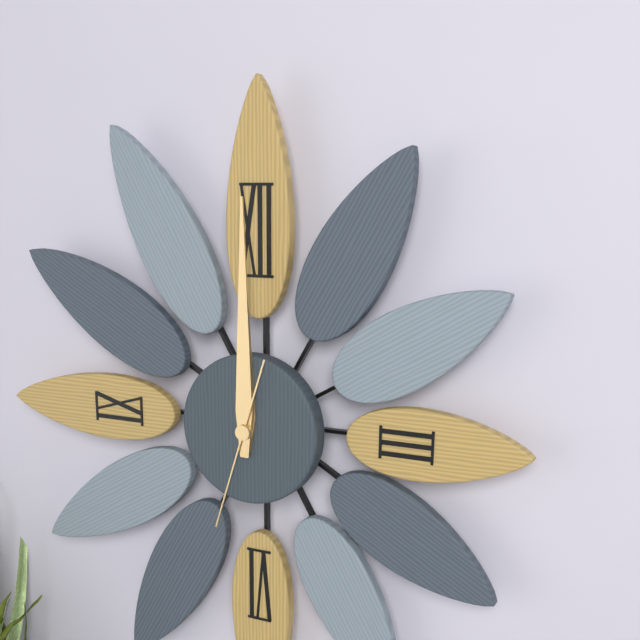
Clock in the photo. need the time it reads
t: 12:00:33
